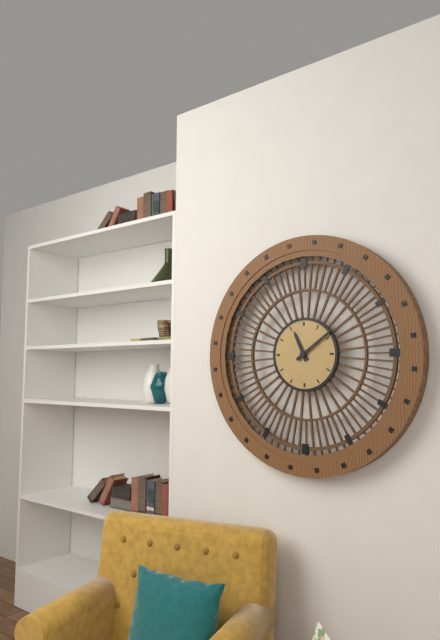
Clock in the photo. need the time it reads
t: 11:09
